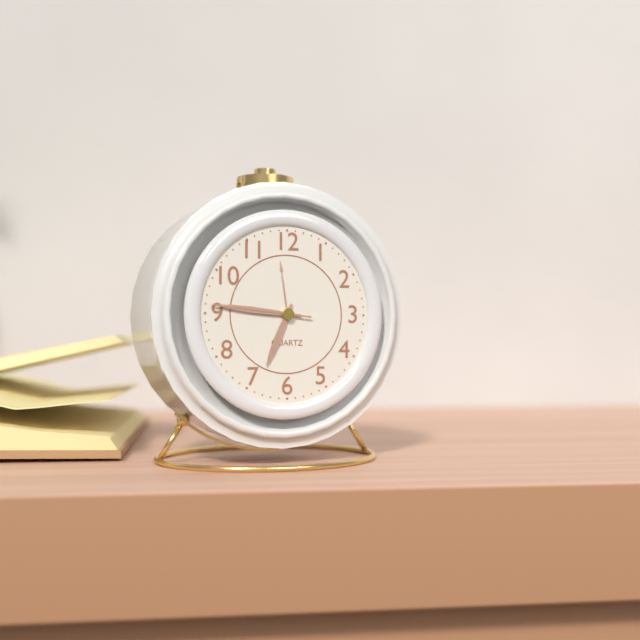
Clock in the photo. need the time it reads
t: 6:46:46
